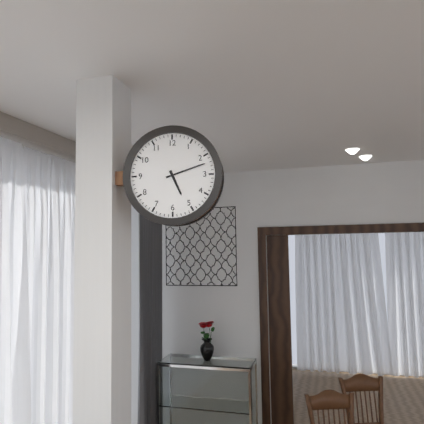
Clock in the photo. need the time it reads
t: 5:12
